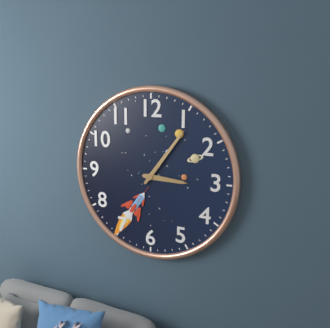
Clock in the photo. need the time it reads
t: 3:06
